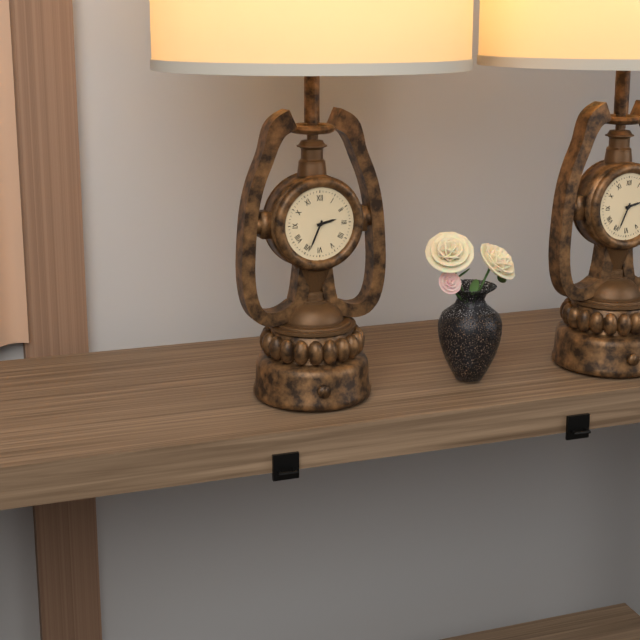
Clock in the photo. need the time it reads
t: 2:34
